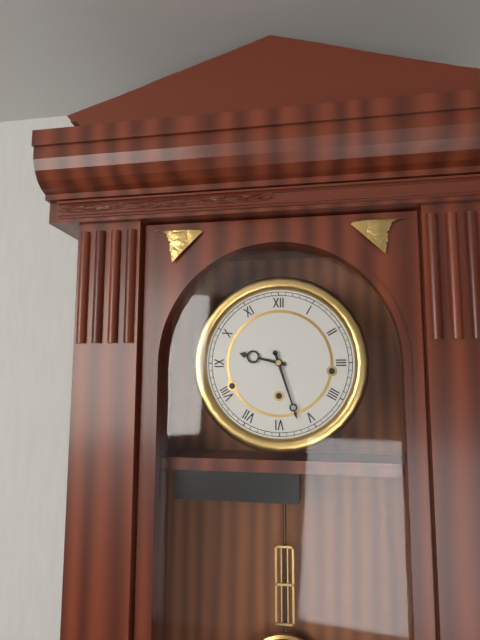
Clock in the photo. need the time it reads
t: 9:27
